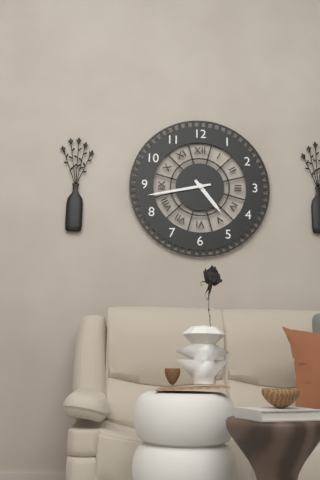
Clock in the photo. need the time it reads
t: 4:43
